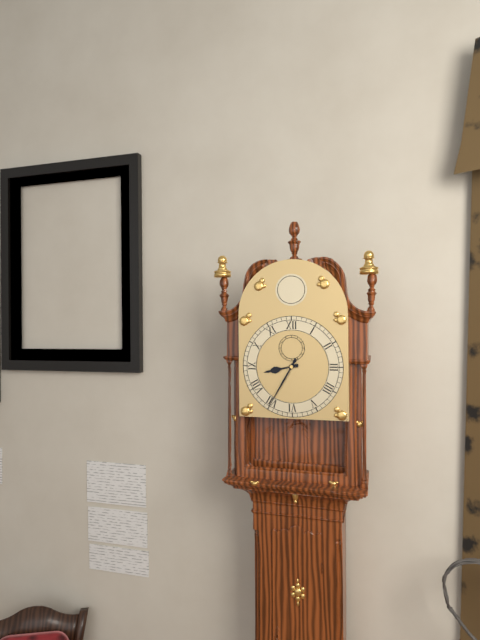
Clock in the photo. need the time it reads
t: 8:35
